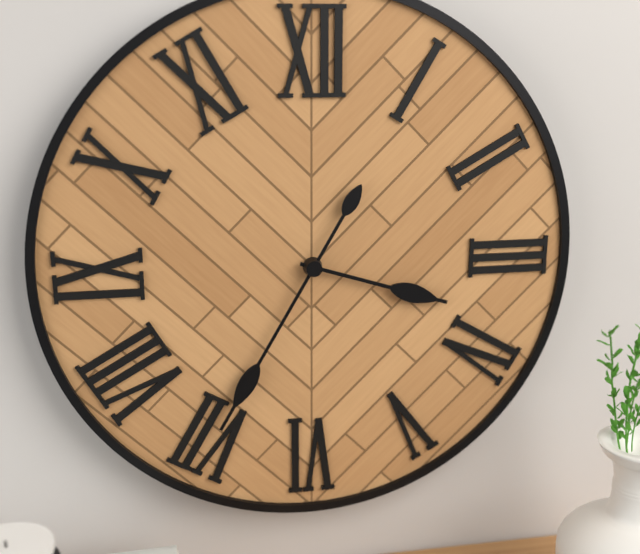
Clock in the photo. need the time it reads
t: 3:35
